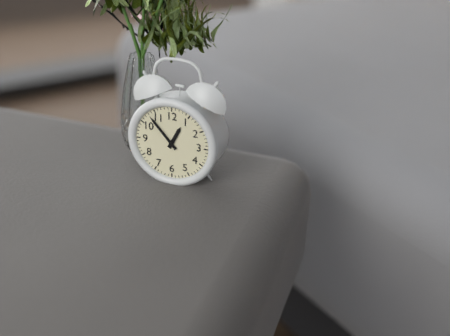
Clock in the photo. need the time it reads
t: 12:53
